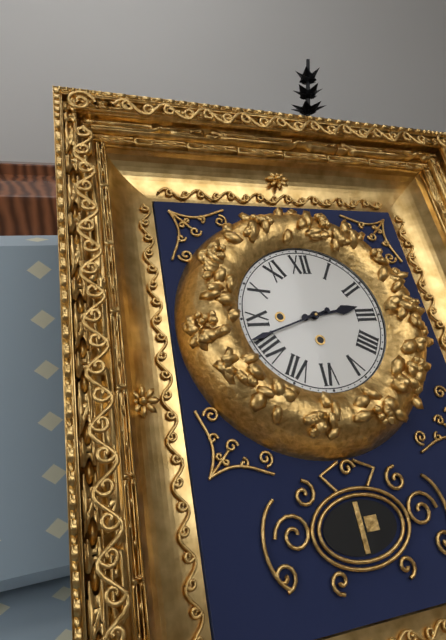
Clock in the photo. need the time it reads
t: 2:42
